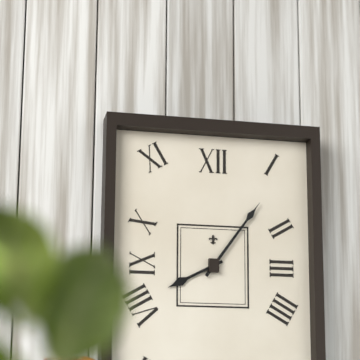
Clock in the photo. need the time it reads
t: 8:06
